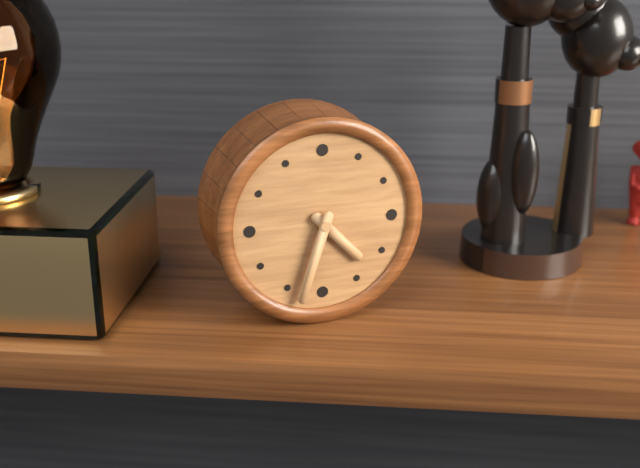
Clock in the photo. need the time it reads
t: 4:33
